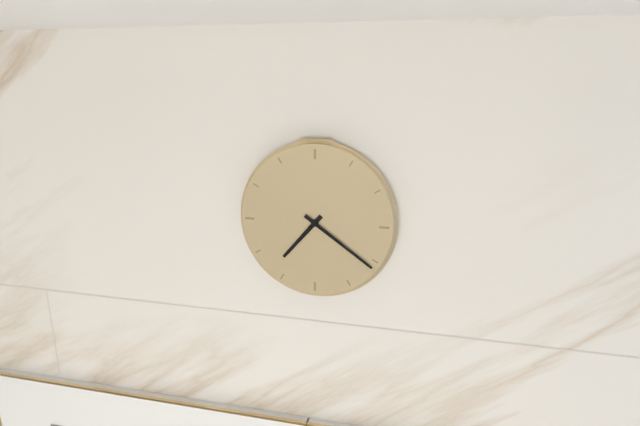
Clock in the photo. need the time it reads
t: 7:21
